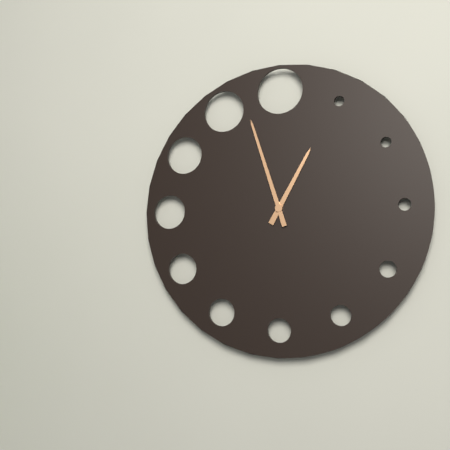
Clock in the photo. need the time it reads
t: 12:57
